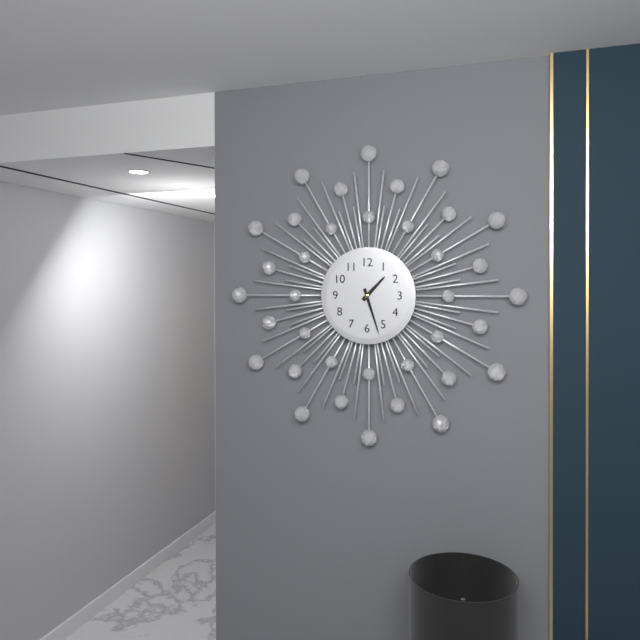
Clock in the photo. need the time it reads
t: 1:27
